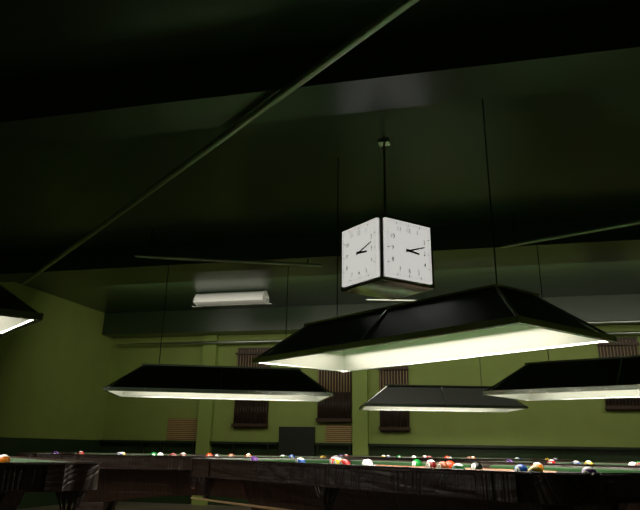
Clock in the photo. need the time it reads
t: 3:12
